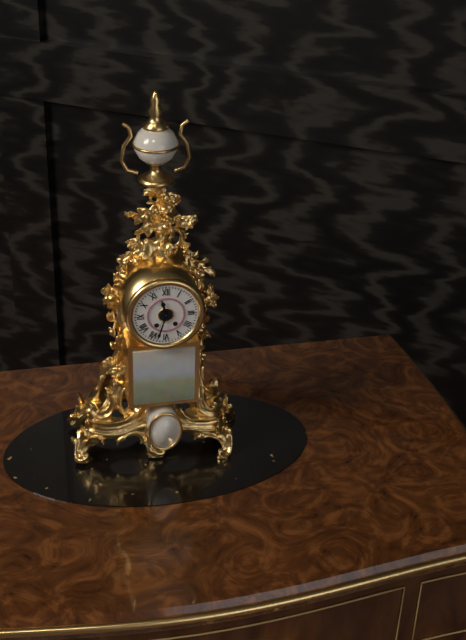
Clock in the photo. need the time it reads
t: 11:33
